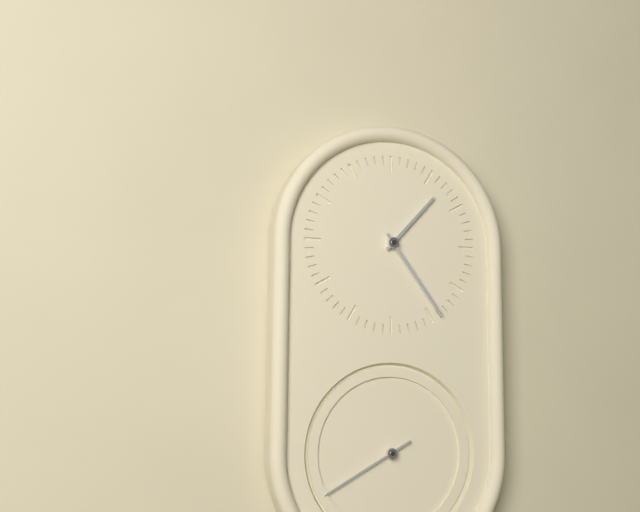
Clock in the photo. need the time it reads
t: 1:24:40
